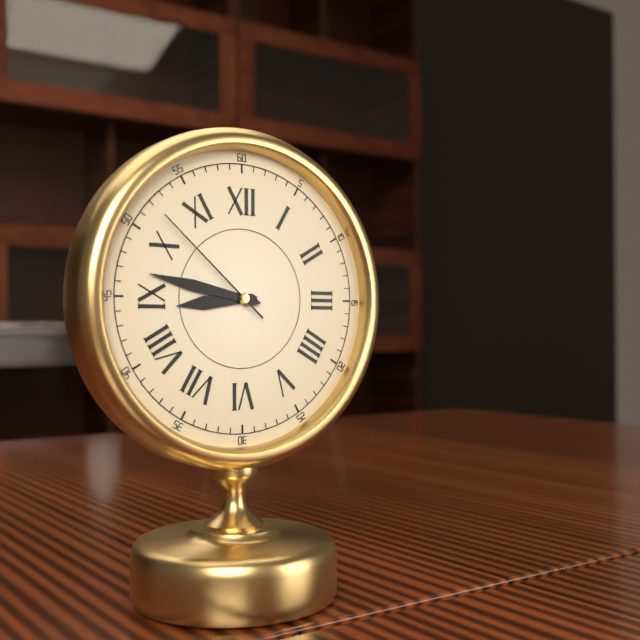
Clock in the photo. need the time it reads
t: 8:47:52
